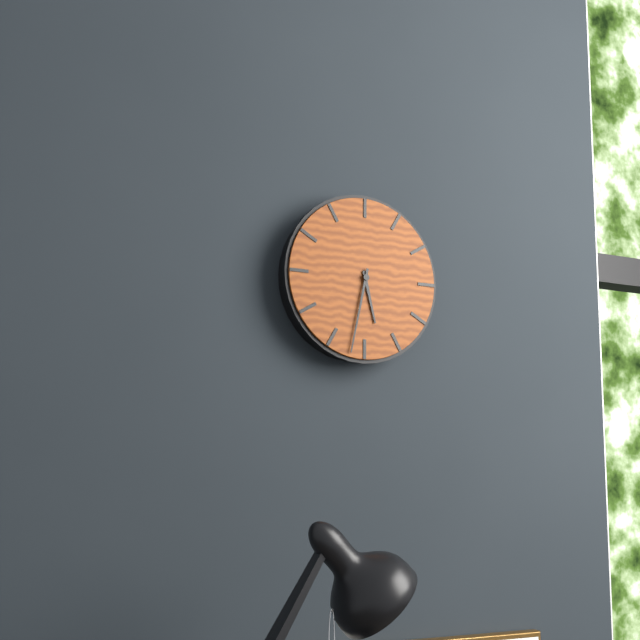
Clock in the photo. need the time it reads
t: 5:32
